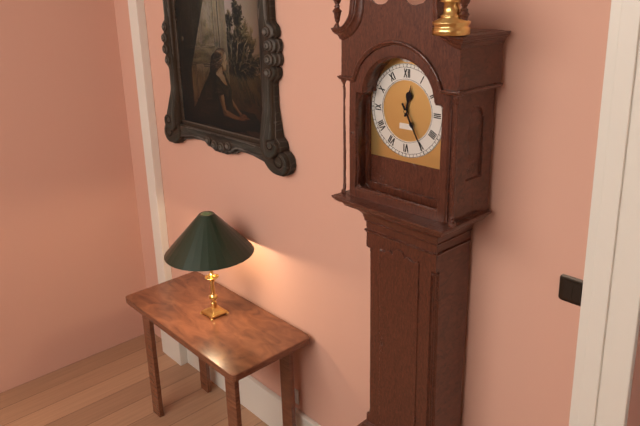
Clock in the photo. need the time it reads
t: 12:25
